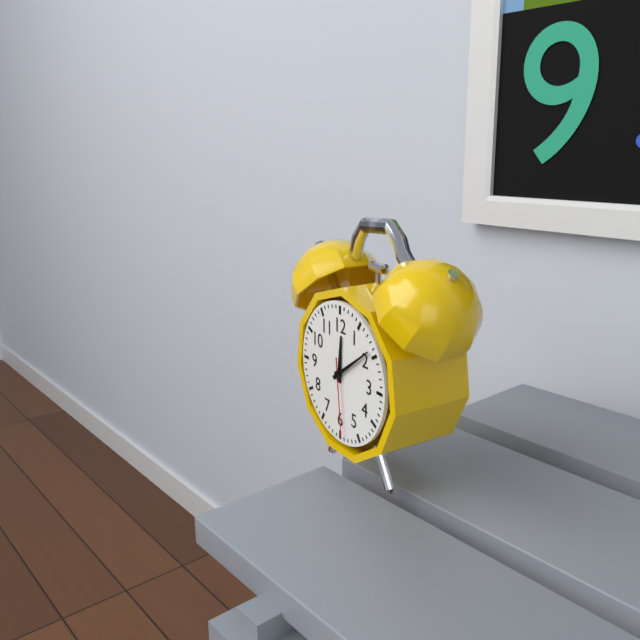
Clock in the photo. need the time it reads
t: 12:09:29
